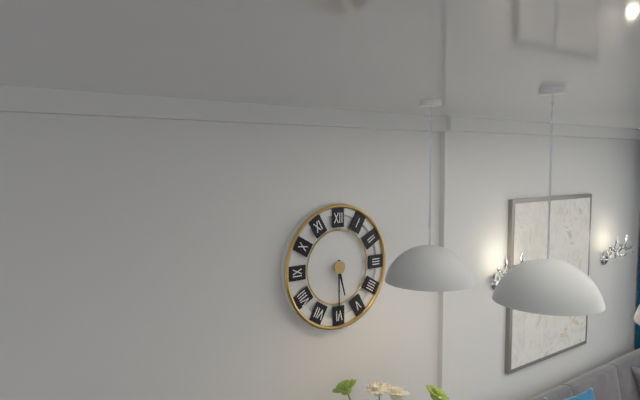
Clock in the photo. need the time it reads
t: 5:30
